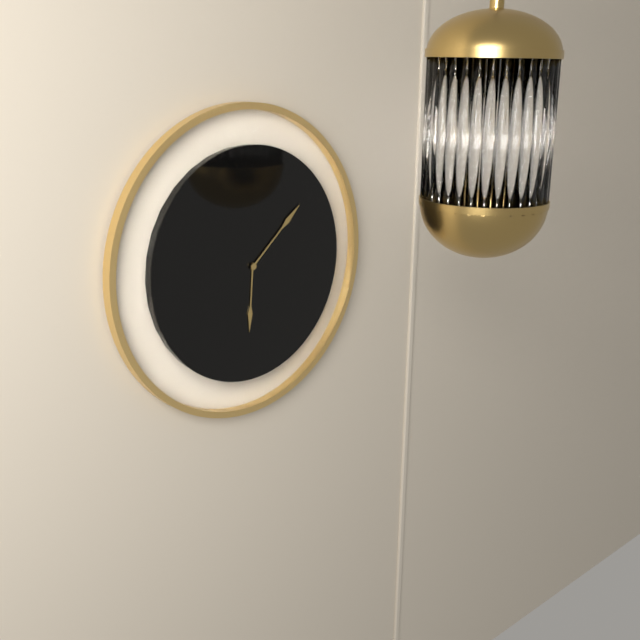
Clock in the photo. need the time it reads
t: 6:08
